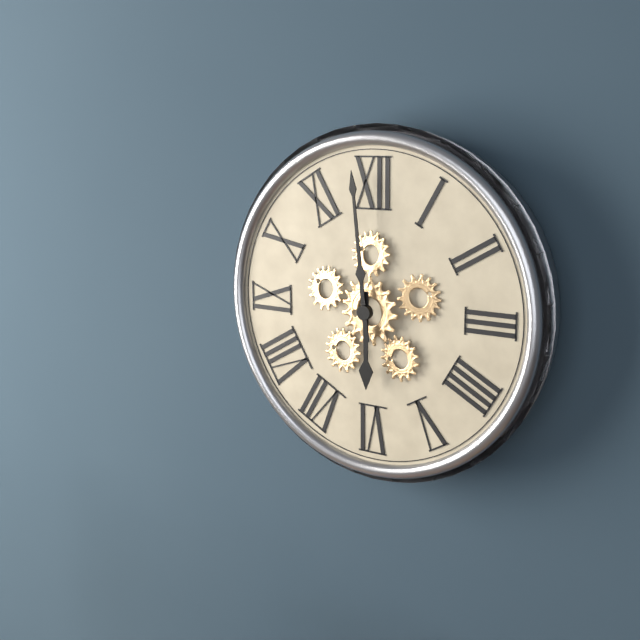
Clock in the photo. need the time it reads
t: 5:59
